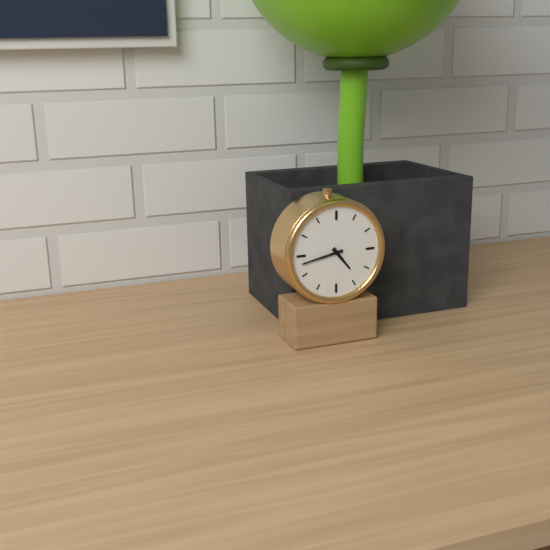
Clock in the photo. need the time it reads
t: 4:43
